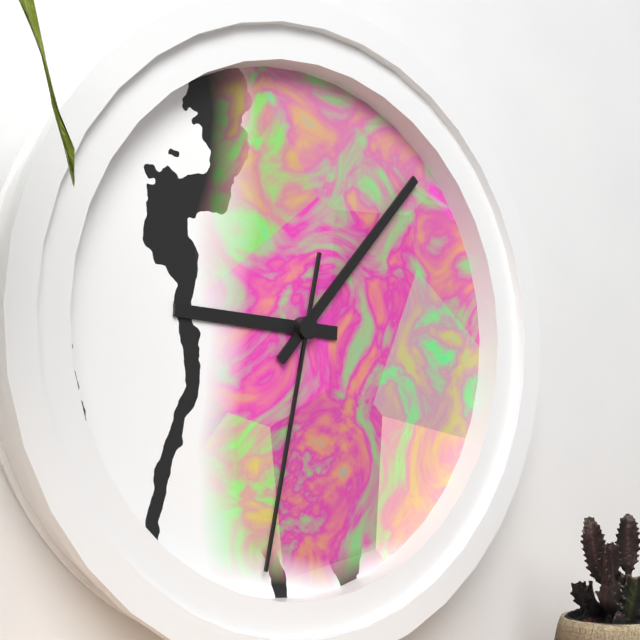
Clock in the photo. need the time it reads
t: 9:07:32
